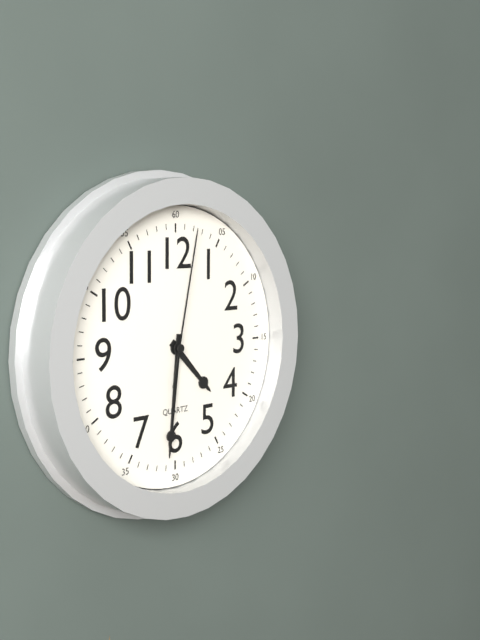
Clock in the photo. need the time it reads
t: 4:31:02
